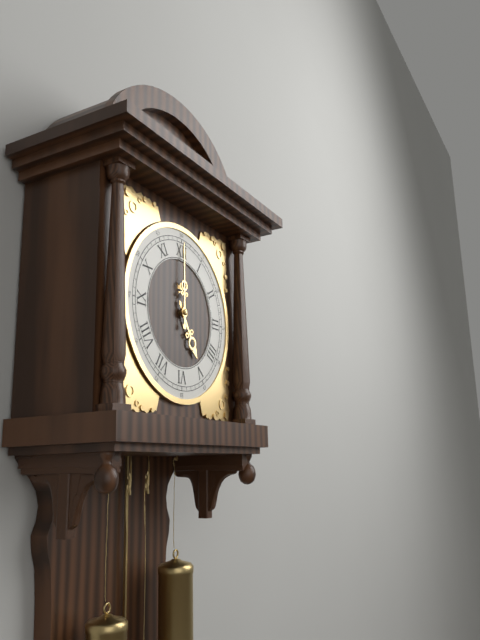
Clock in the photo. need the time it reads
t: 5:00
